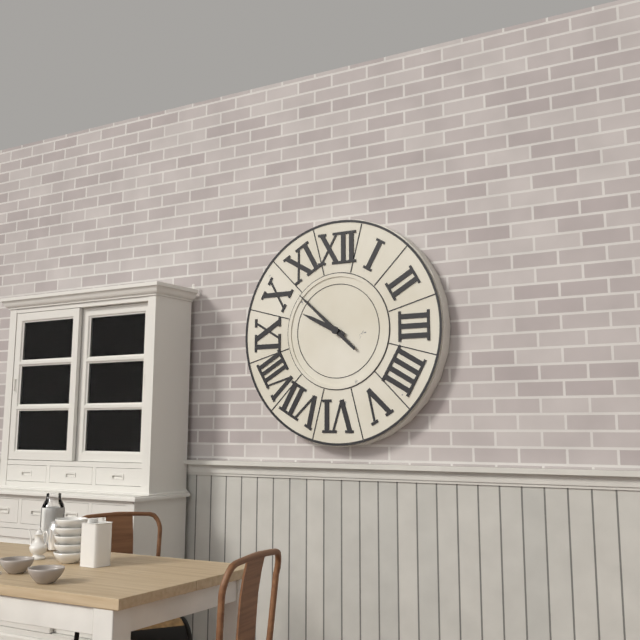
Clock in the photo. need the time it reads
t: 9:52
